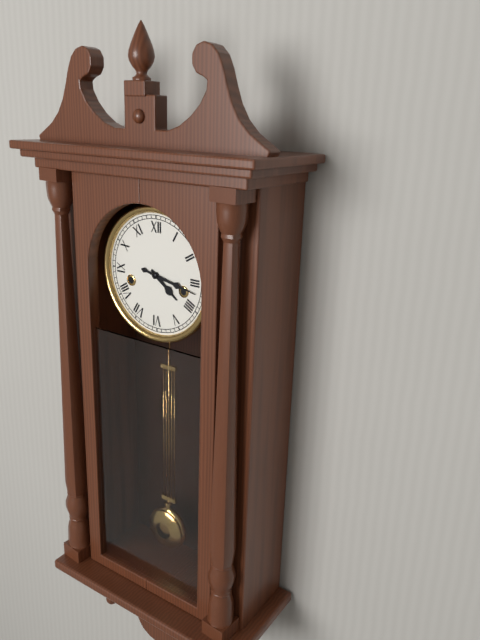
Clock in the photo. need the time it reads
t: 4:17
